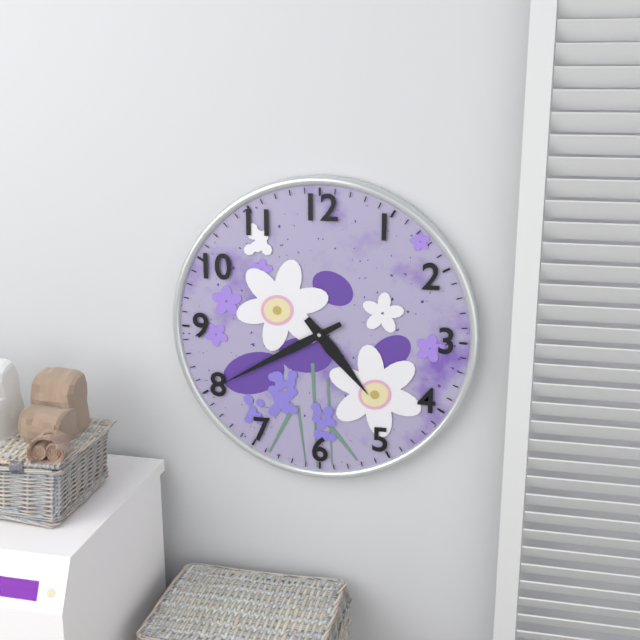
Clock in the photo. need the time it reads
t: 4:40
